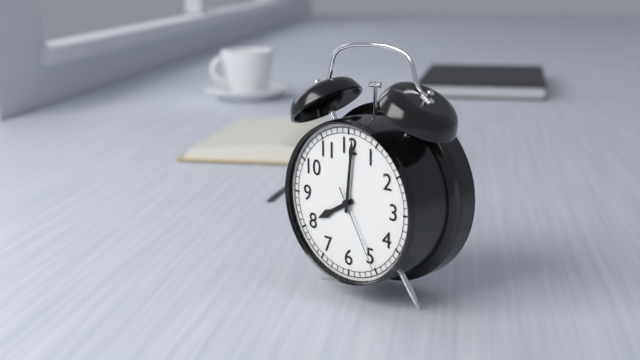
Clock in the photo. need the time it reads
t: 8:01:25
